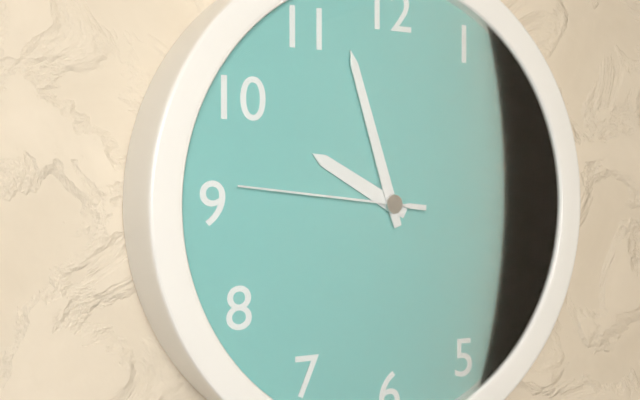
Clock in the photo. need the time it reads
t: 9:57:46
